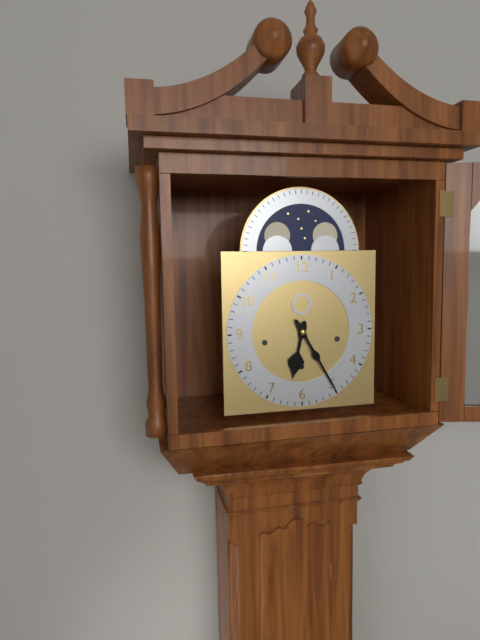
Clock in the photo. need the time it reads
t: 6:25
